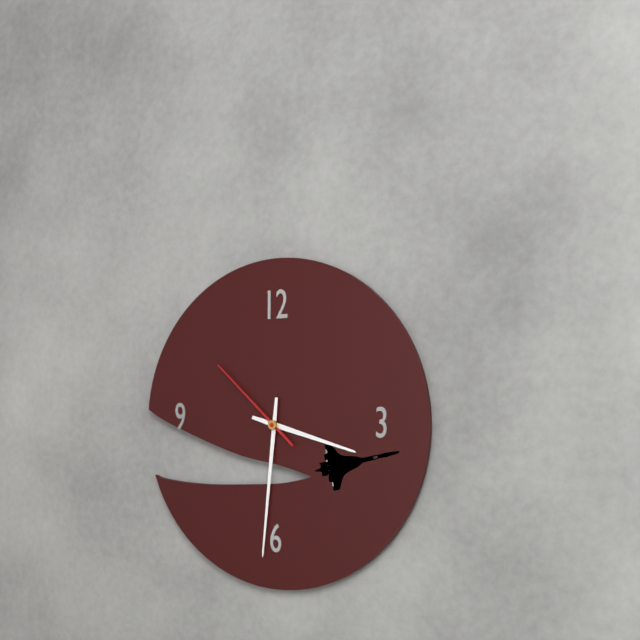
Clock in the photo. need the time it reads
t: 3:31:52
